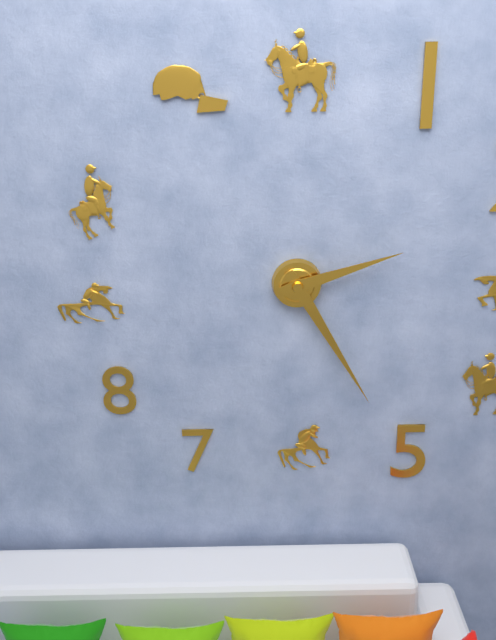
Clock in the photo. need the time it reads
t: 2:25
